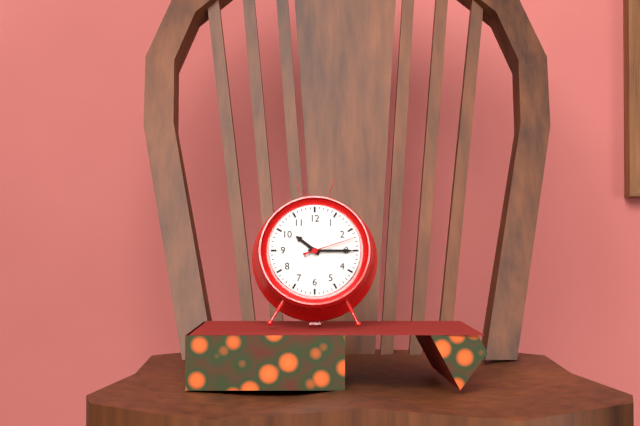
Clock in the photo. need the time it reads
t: 10:15:12
